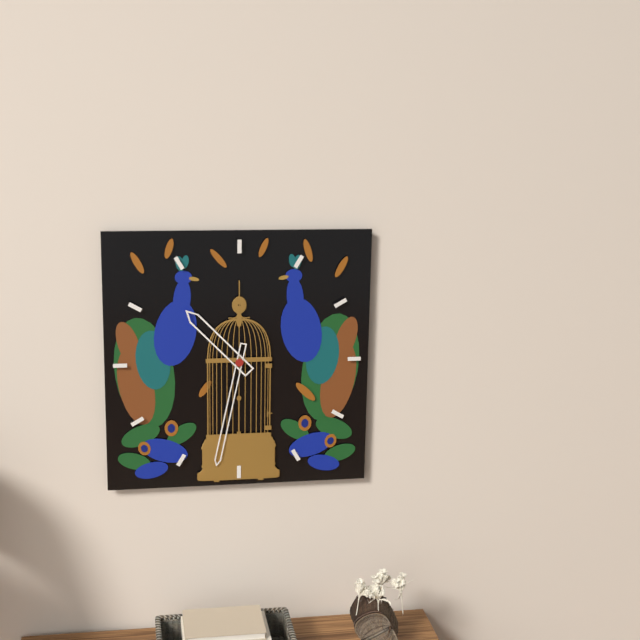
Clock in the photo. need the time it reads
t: 10:32
